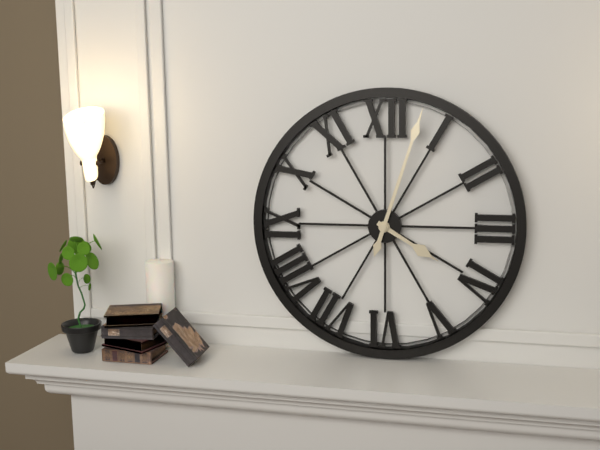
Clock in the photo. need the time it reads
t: 4:03
